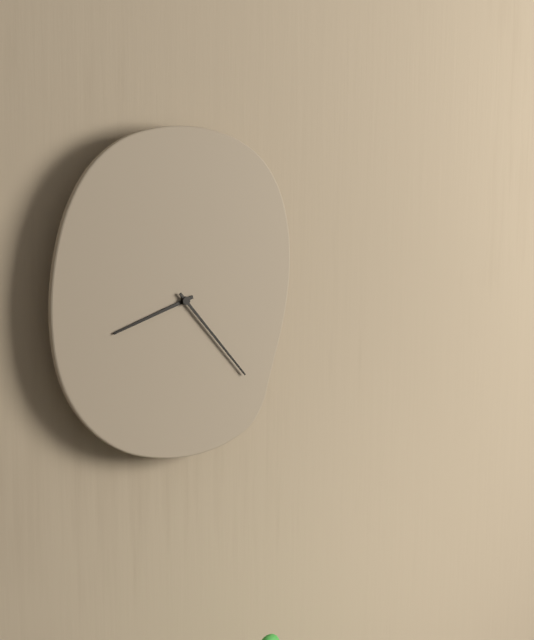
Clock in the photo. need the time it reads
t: 8:23
